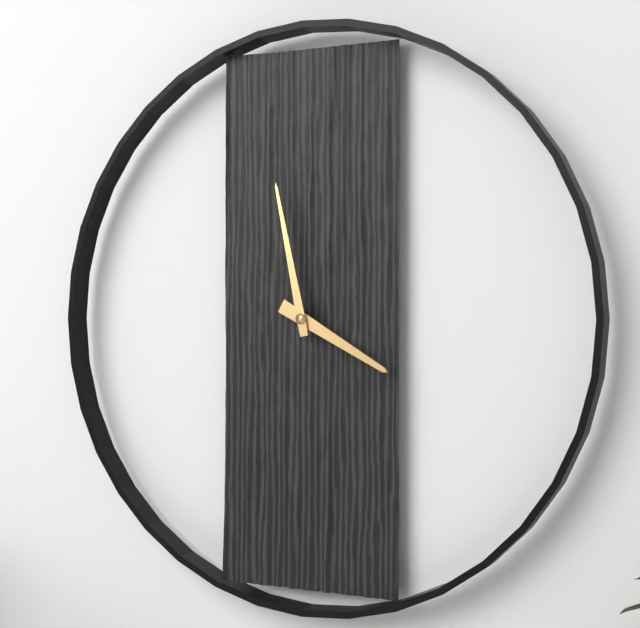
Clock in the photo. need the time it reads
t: 3:58
